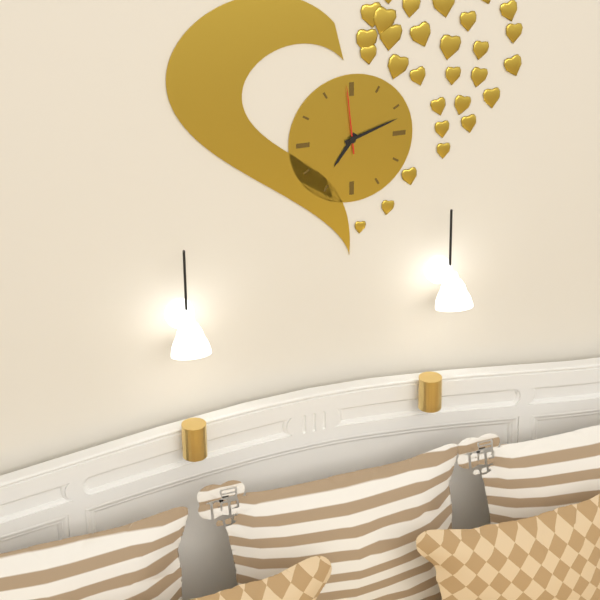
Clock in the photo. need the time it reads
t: 7:12:59
